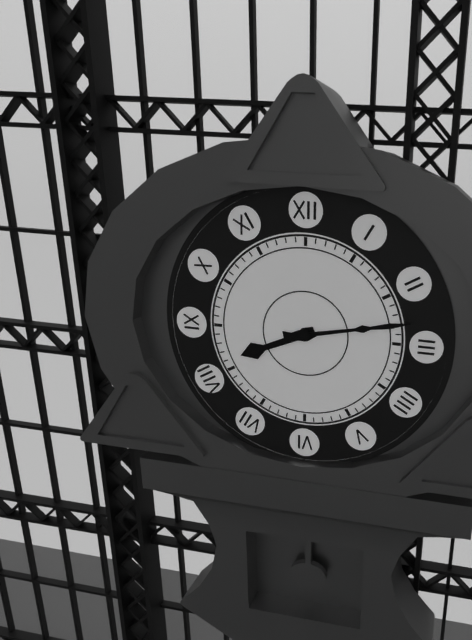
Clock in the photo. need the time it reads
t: 8:13
